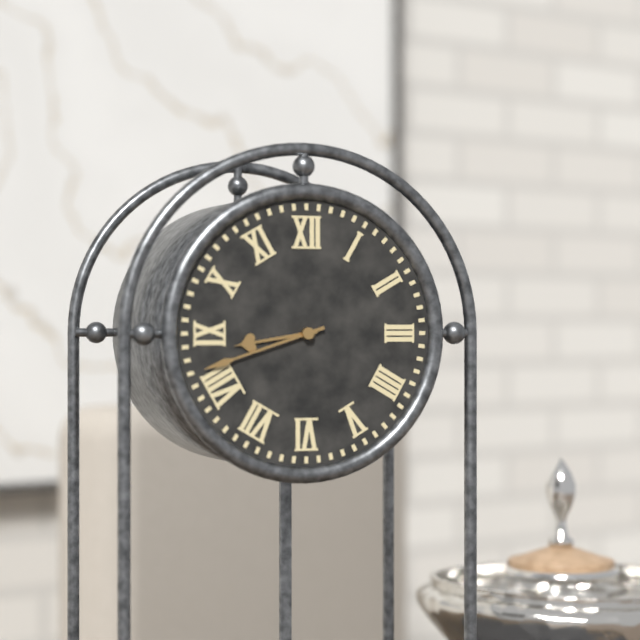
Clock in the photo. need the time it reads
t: 8:42
